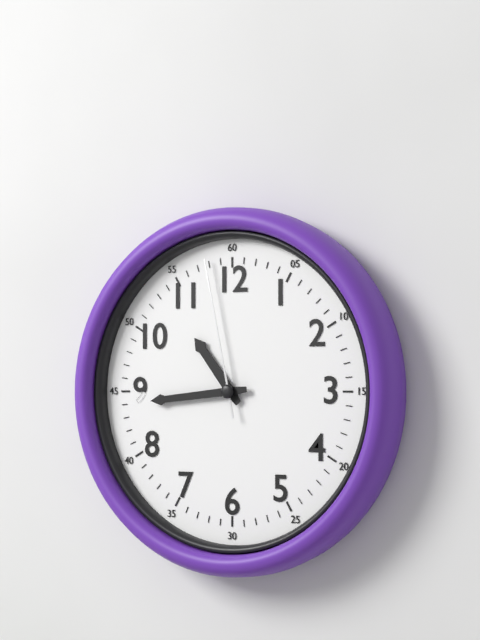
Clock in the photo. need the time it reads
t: 10:44:58
